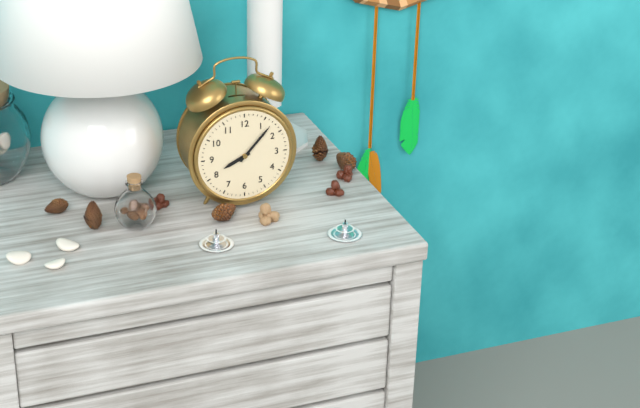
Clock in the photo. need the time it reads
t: 8:07
